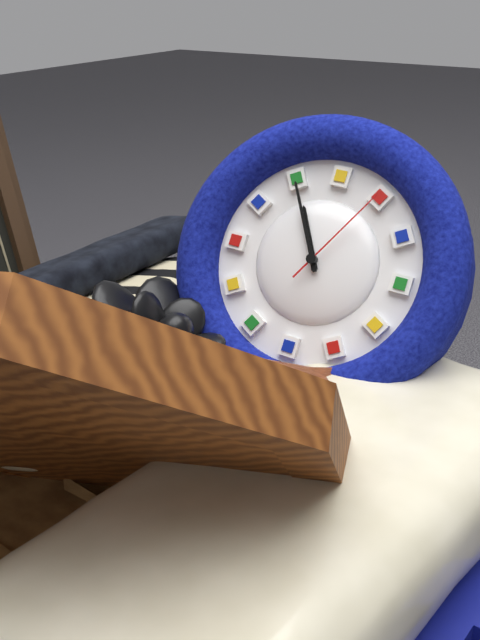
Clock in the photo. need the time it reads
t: 1:05:15
